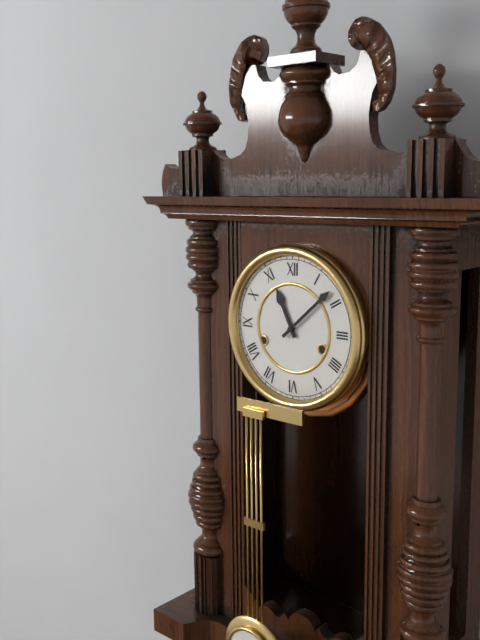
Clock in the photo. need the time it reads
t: 11:08
